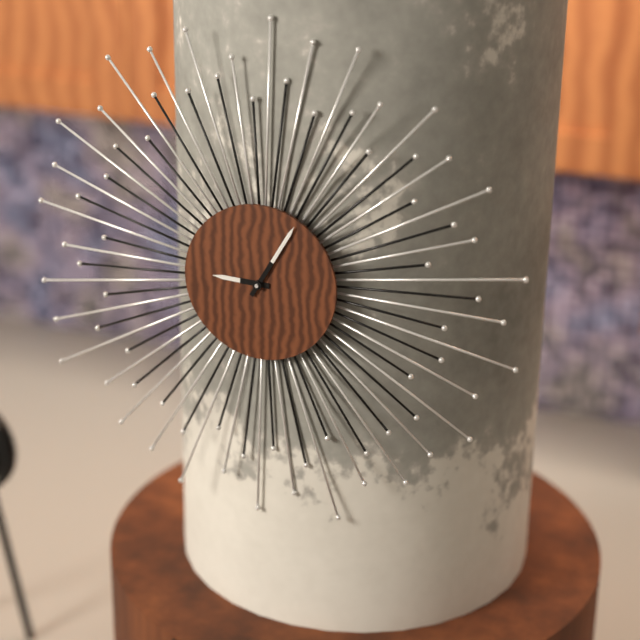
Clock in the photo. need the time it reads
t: 9:05
